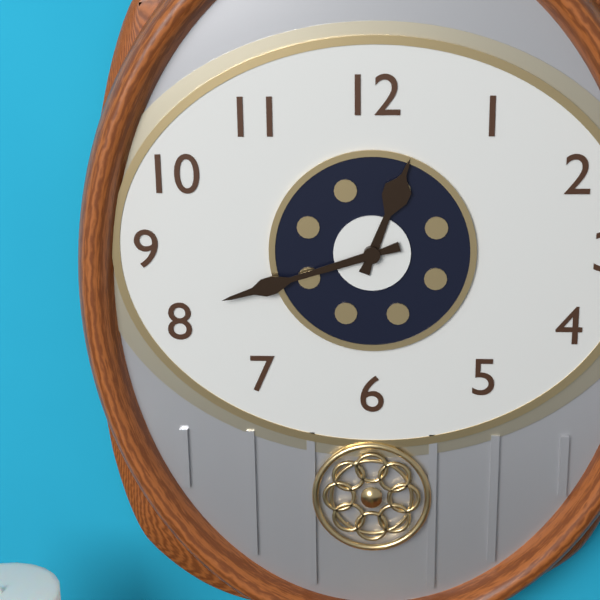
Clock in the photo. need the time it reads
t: 12:42
